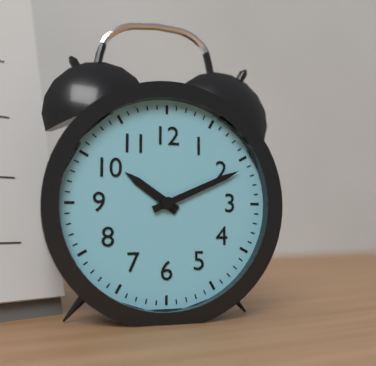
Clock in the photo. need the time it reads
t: 10:11
